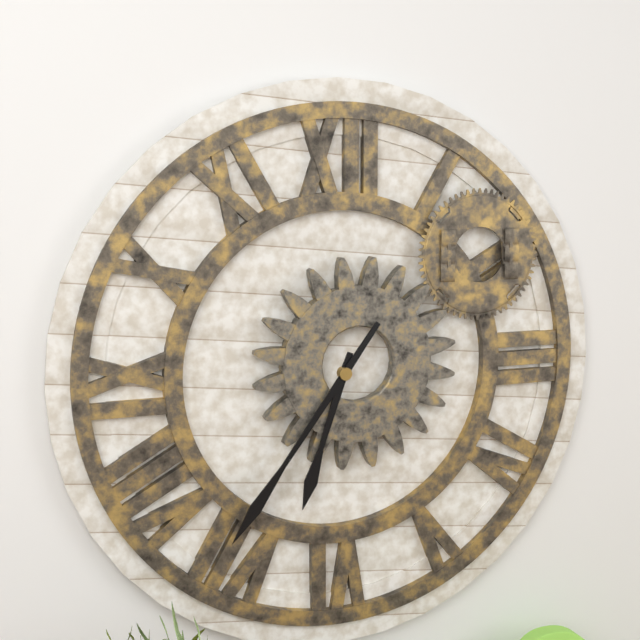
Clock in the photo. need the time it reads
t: 6:36
